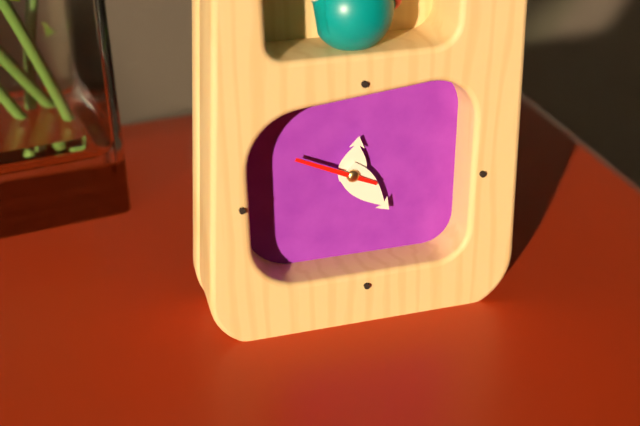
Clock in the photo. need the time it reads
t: 12:23:49
